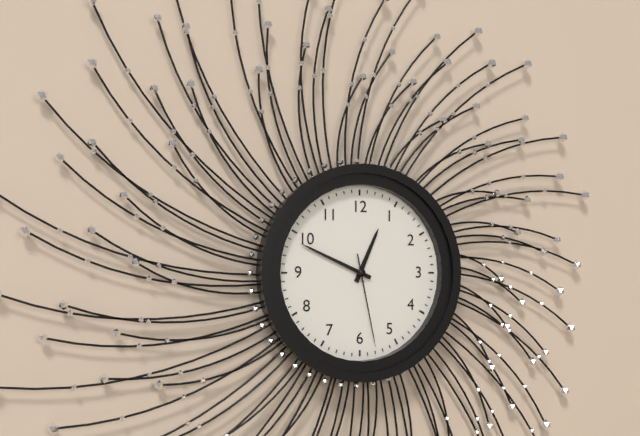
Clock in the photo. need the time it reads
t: 12:49:28
